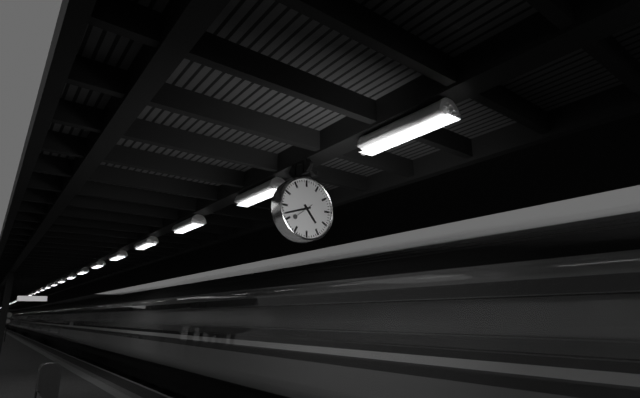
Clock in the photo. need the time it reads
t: 4:42
